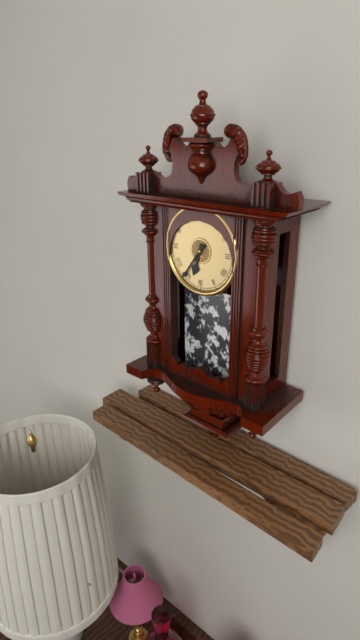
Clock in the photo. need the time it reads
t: 6:36
